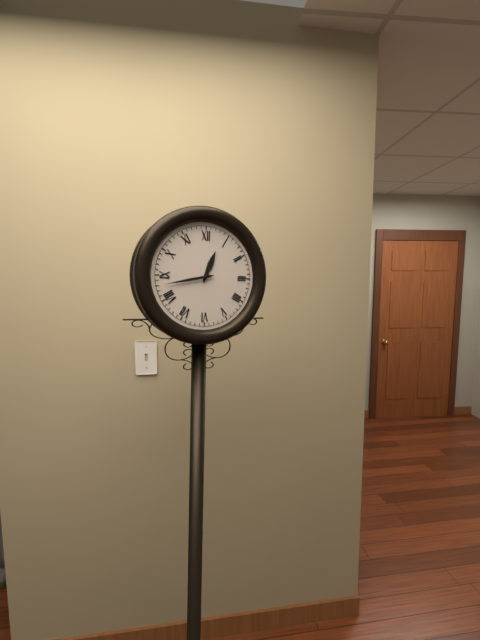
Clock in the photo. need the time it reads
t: 12:43
